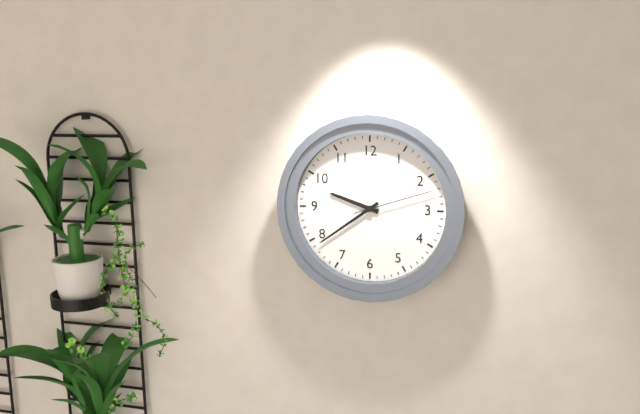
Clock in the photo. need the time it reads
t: 9:39:12
